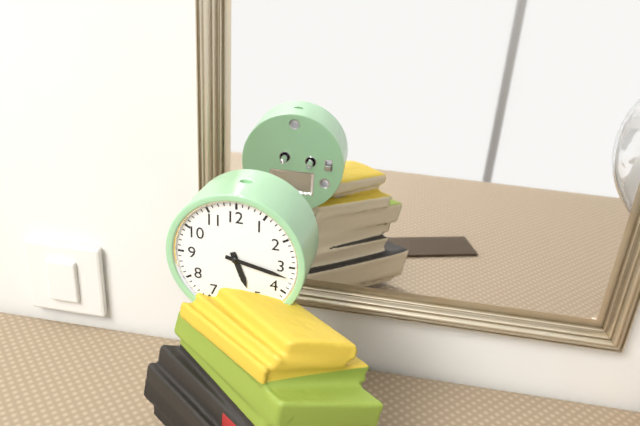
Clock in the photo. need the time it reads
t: 5:17
